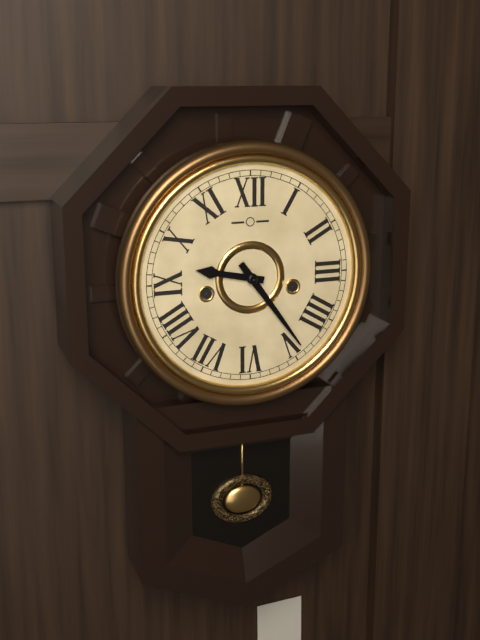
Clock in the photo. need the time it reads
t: 9:24
